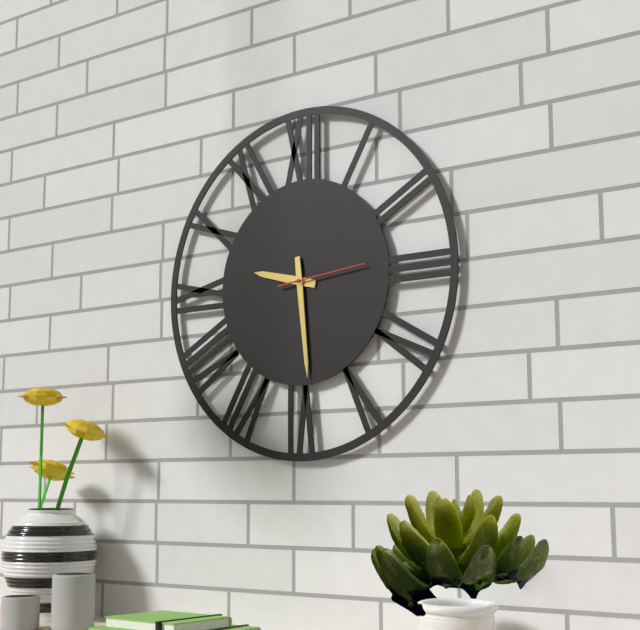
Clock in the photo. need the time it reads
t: 9:29:14
